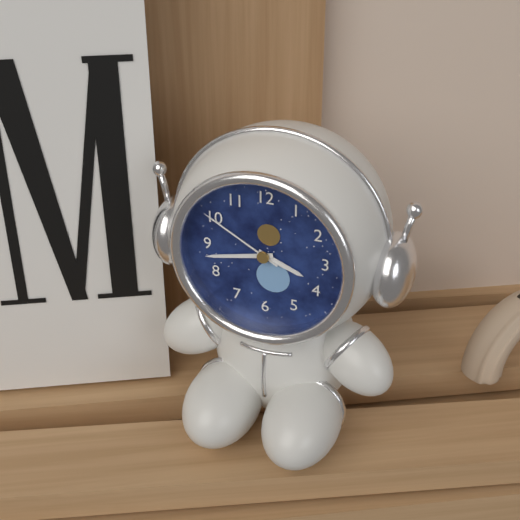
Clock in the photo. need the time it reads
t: 3:43:50
